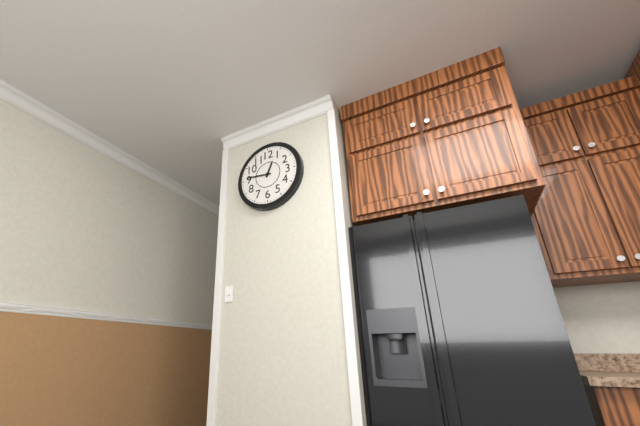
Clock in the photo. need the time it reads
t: 12:46
